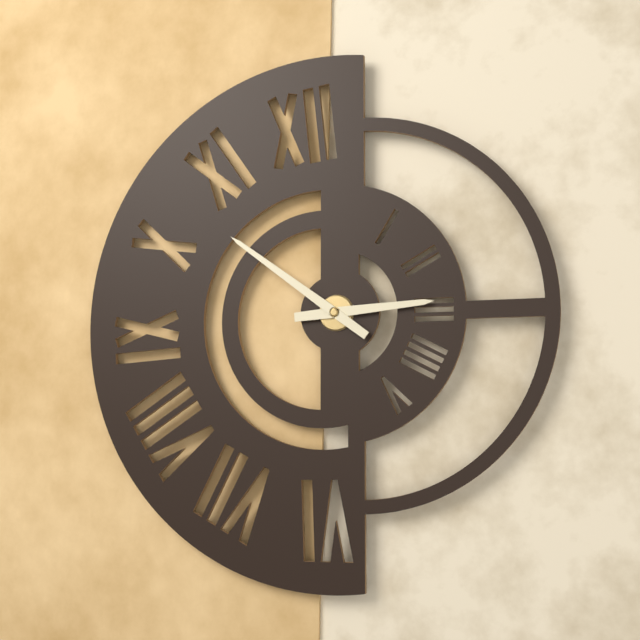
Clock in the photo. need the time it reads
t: 2:51
